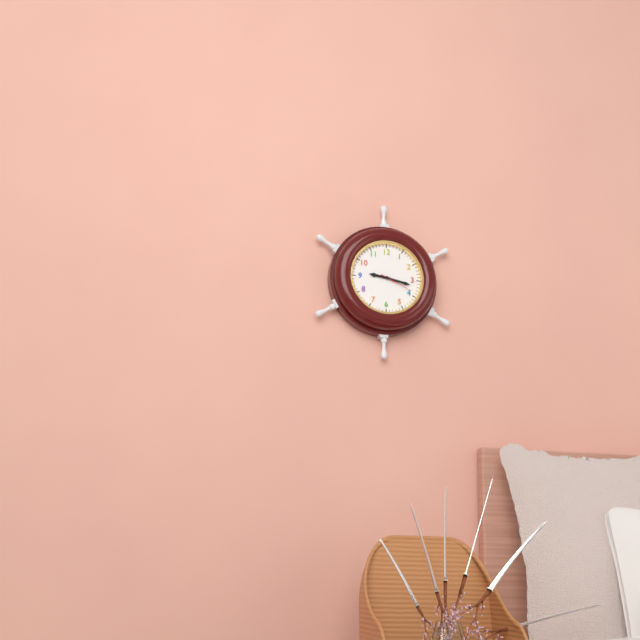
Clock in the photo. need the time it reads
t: 9:17
